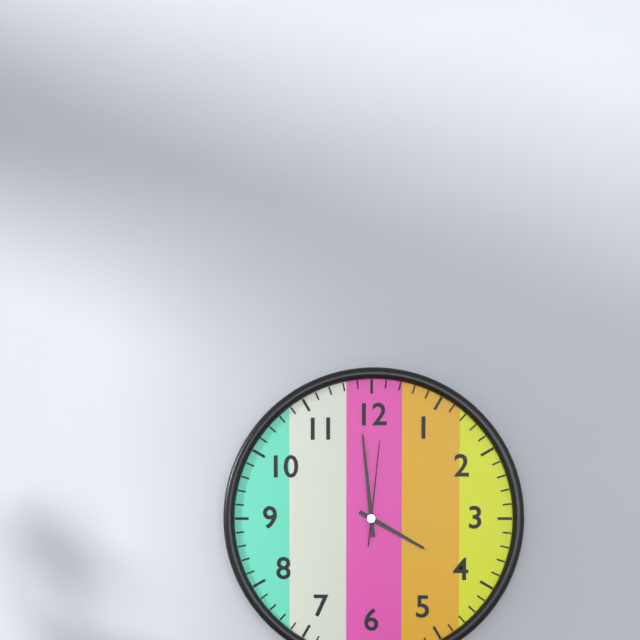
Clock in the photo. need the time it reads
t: 3:59:01
